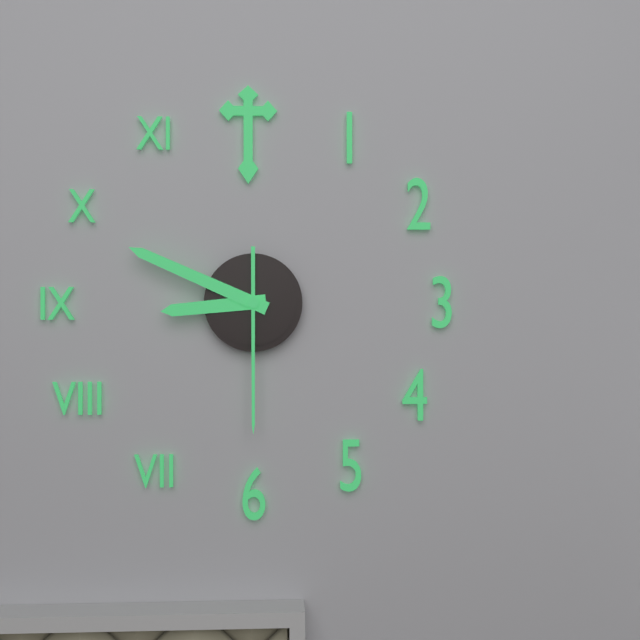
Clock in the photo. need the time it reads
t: 8:49:30
